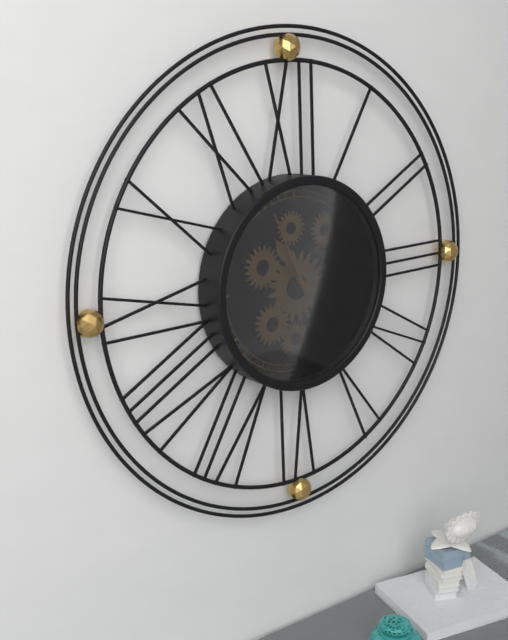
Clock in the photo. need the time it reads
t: 10:56
